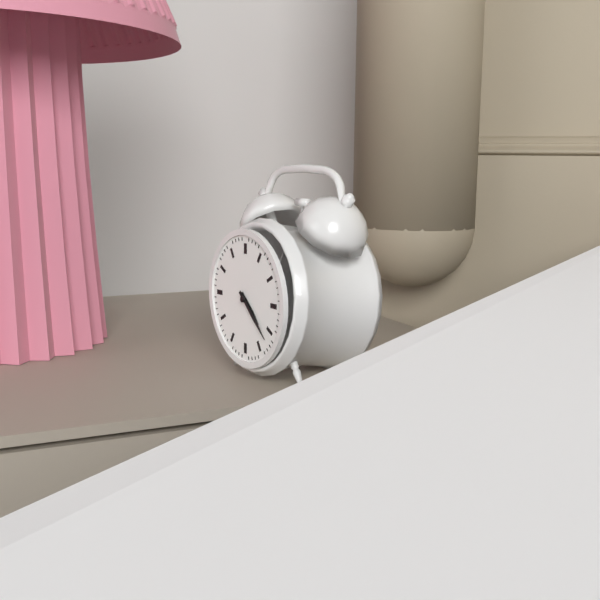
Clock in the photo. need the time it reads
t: 4:22
